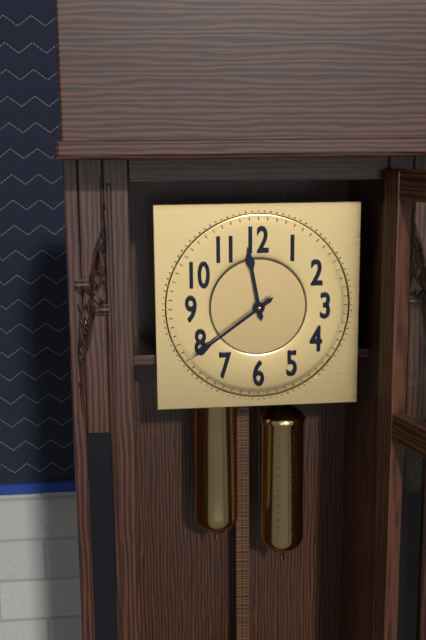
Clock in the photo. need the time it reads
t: 11:39
